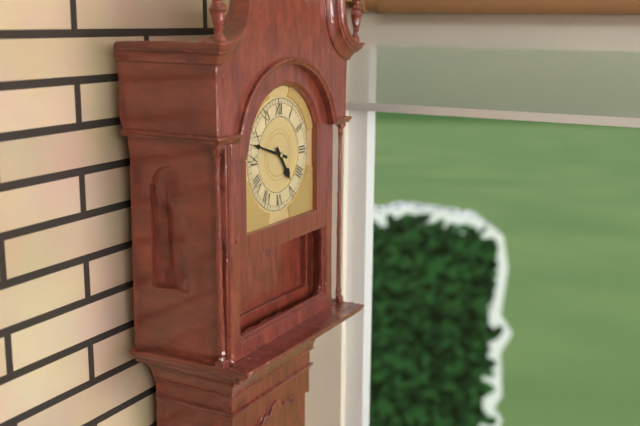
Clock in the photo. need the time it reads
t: 4:48
